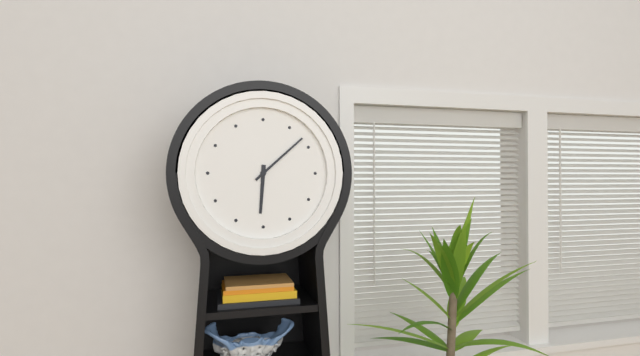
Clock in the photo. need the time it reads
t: 6:08
